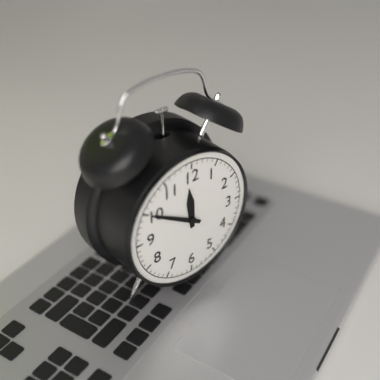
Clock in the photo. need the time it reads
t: 11:50
